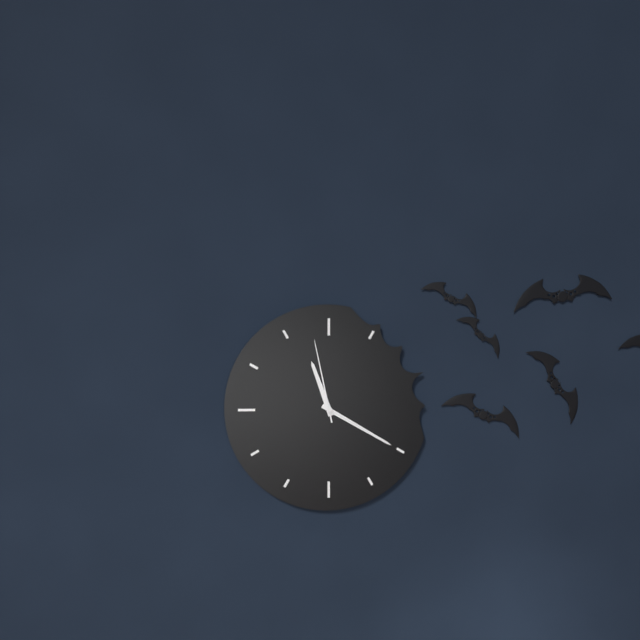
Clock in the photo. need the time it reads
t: 11:20:58
